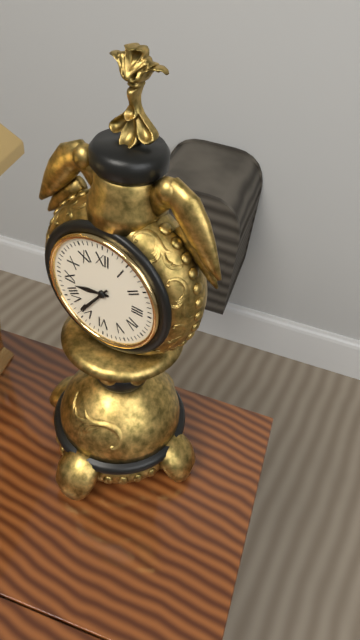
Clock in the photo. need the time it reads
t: 8:36
